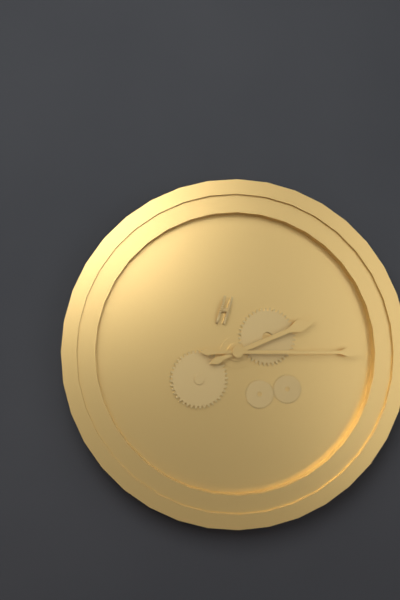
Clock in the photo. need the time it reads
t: 2:15
